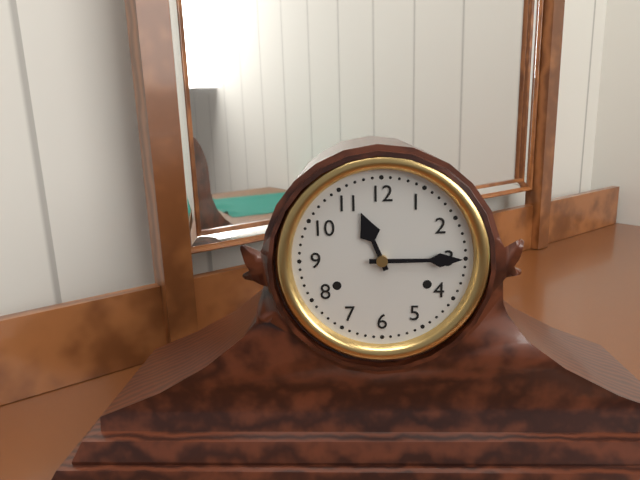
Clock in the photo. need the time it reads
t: 11:15
